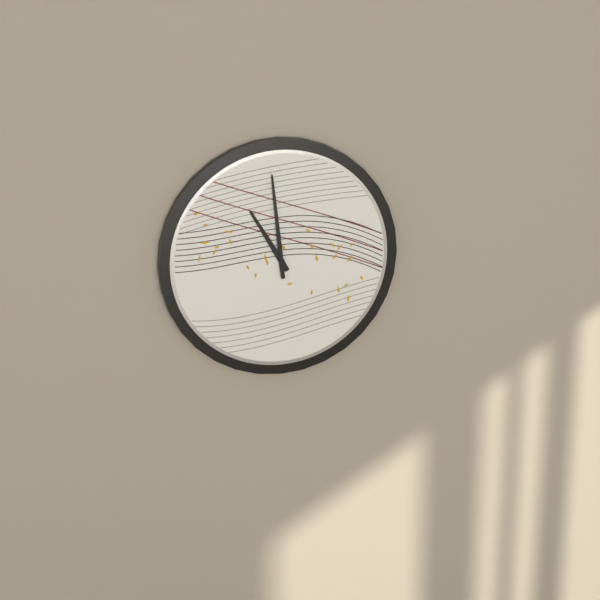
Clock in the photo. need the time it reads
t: 10:59
